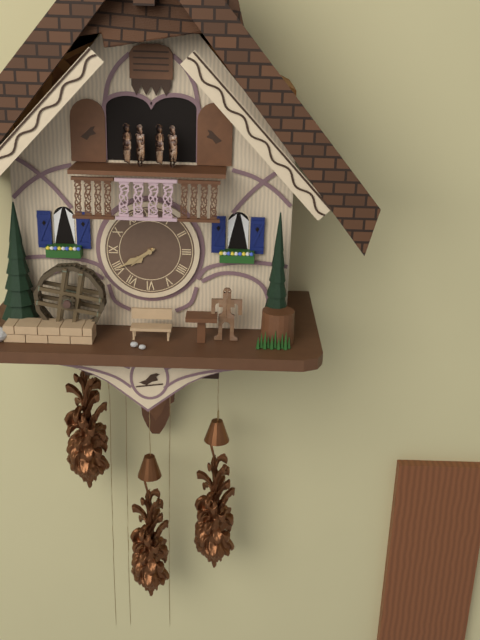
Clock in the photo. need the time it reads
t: 7:40
